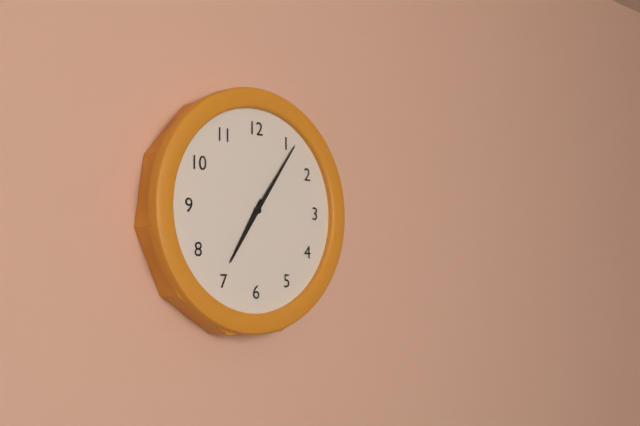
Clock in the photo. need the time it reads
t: 7:06
